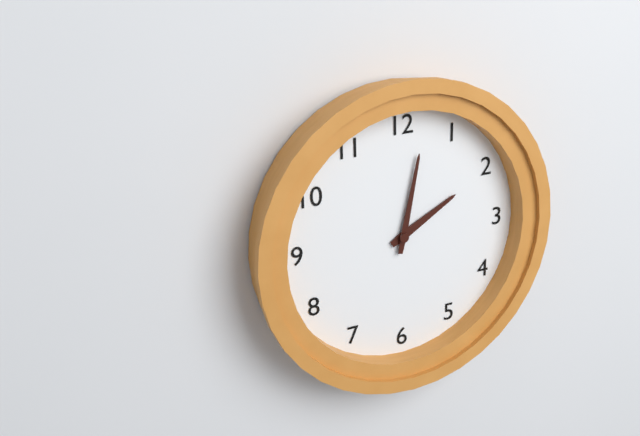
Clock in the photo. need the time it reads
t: 2:02
